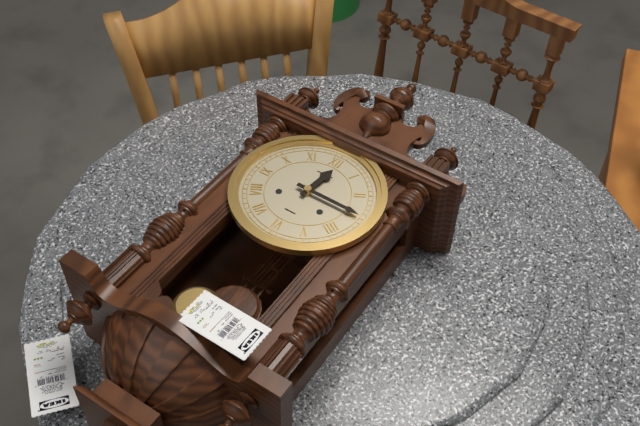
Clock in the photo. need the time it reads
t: 12:15
